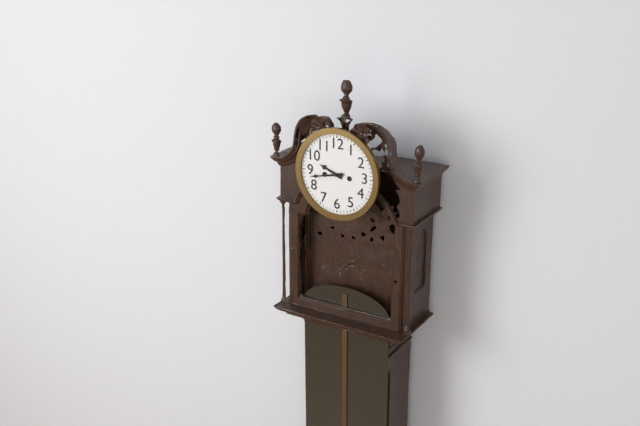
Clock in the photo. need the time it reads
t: 9:43
